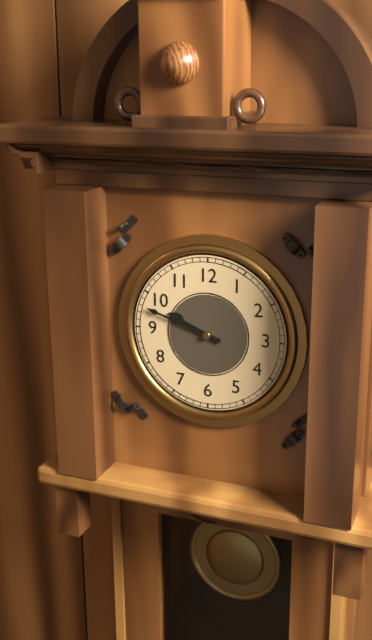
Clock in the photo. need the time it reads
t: 9:48
